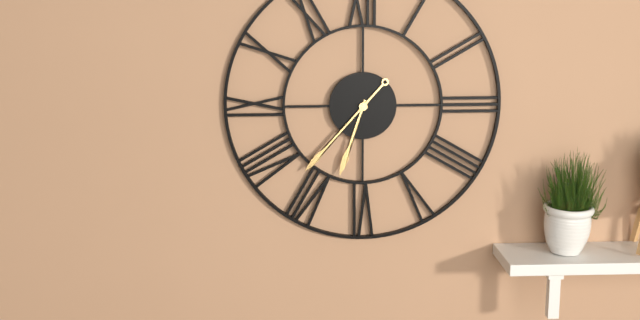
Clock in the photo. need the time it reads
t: 6:37
